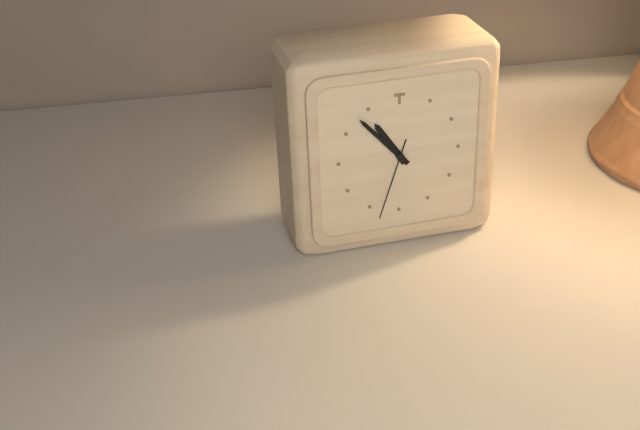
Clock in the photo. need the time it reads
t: 10:53:33
